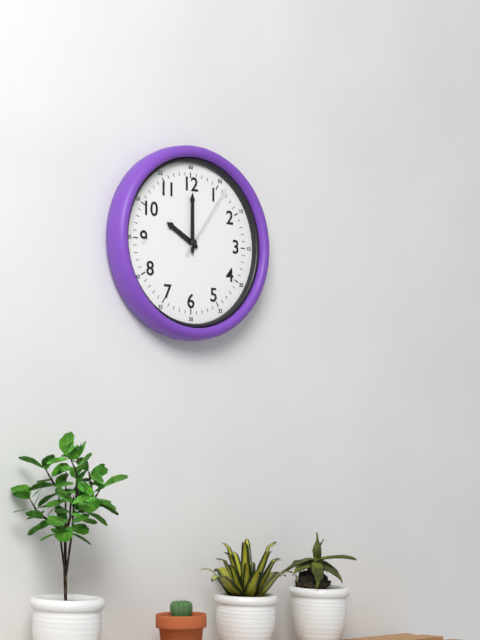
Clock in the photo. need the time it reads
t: 10:00:06
